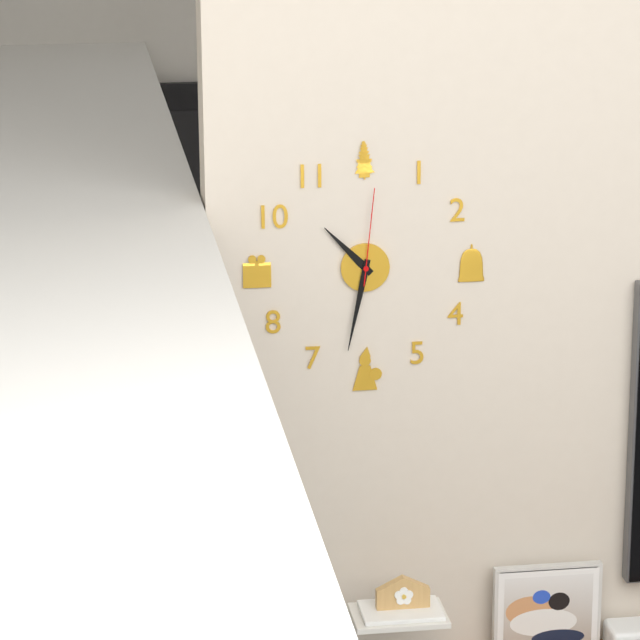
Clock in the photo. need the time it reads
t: 10:32:01
